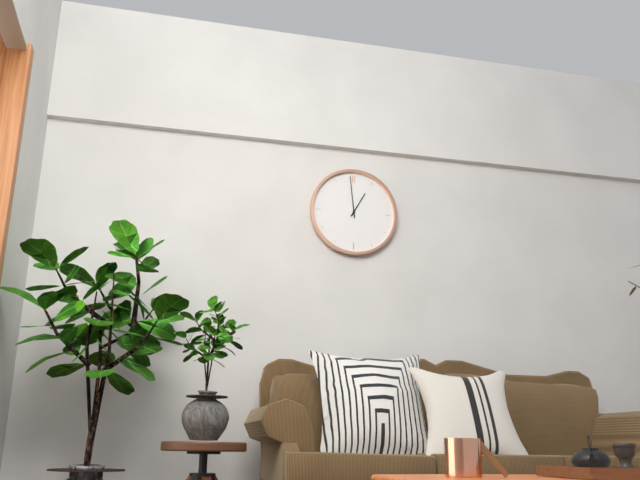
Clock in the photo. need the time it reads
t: 12:59
